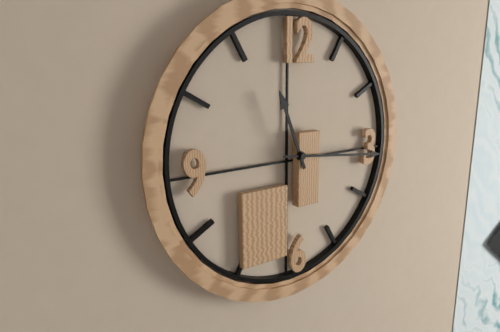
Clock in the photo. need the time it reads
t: 11:16
